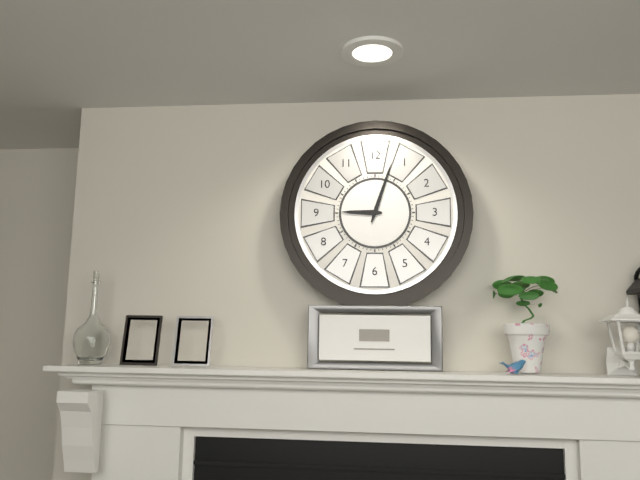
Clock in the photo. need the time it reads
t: 9:03
